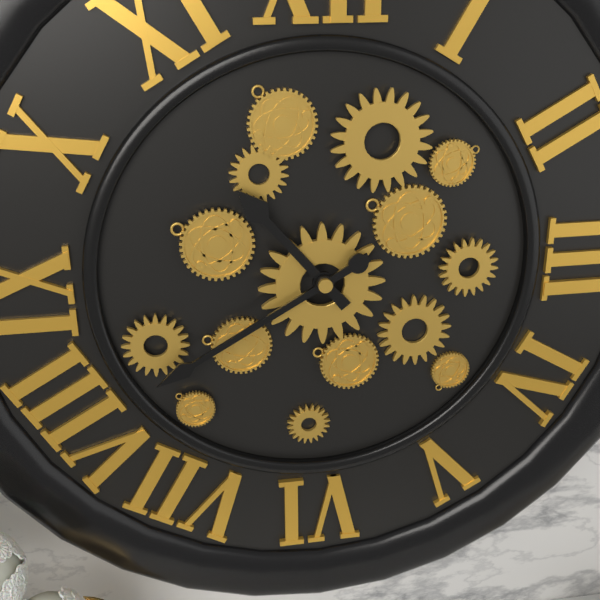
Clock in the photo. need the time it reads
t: 10:40
